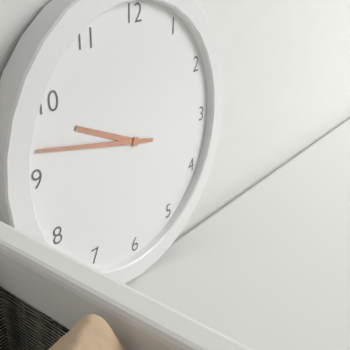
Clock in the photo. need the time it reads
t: 9:47
